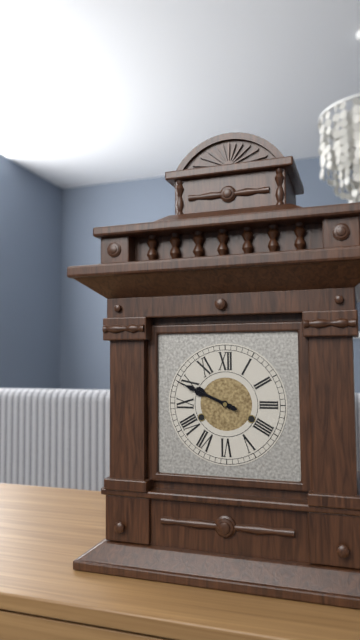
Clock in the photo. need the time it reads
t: 9:49
